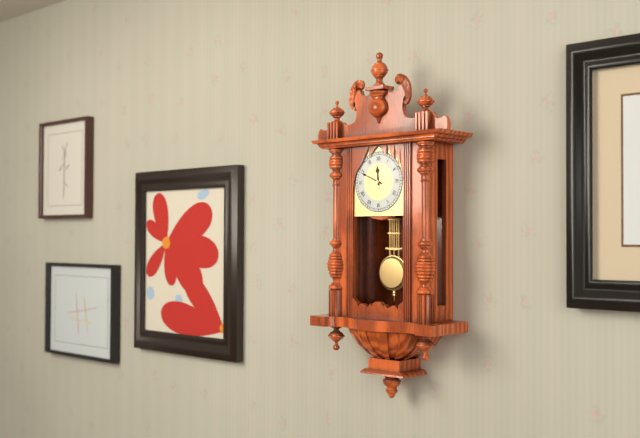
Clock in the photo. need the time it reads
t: 11:49
